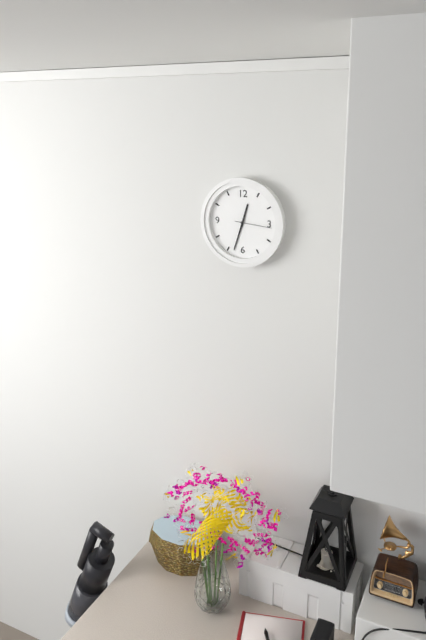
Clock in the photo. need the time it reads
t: 12:33
